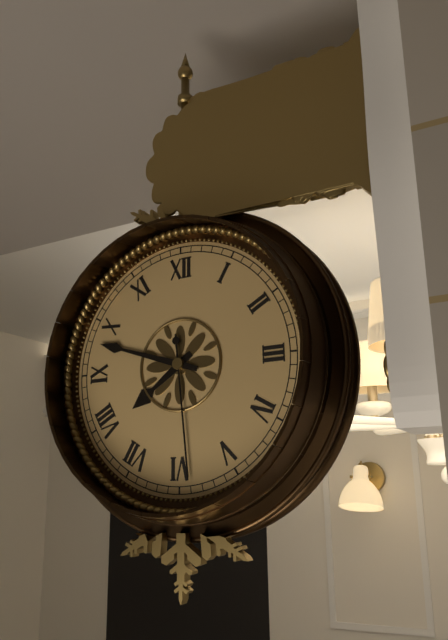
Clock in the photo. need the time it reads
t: 7:48:29
